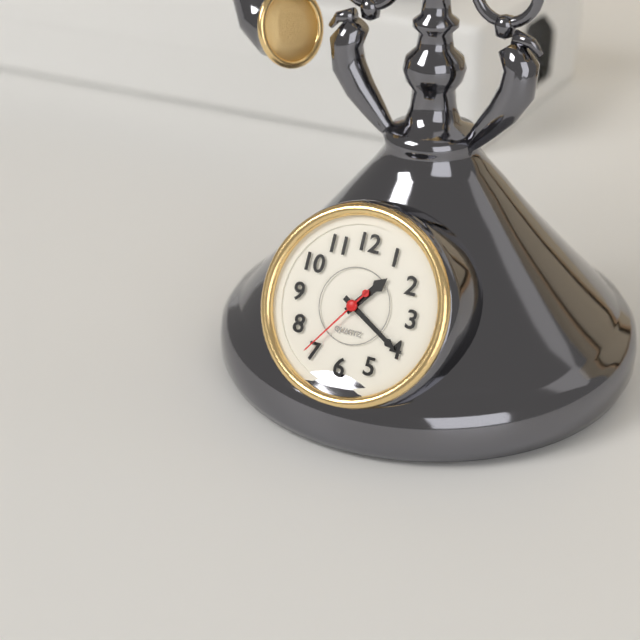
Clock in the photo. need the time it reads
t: 1:20:36
